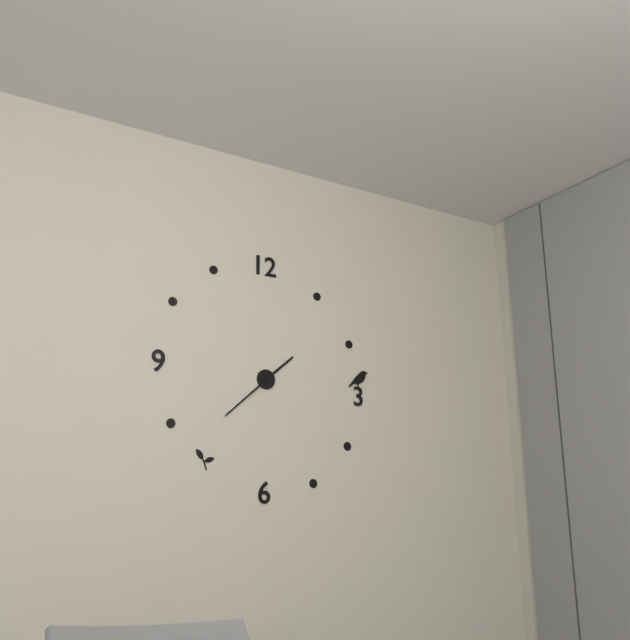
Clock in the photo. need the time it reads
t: 1:38
